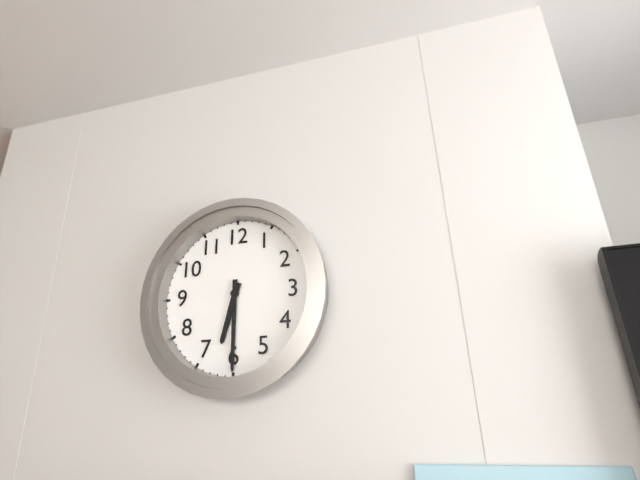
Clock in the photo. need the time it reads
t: 6:30
